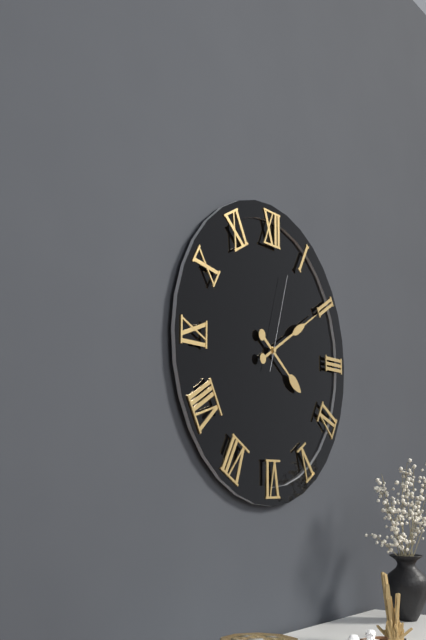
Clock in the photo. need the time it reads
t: 4:10:03
